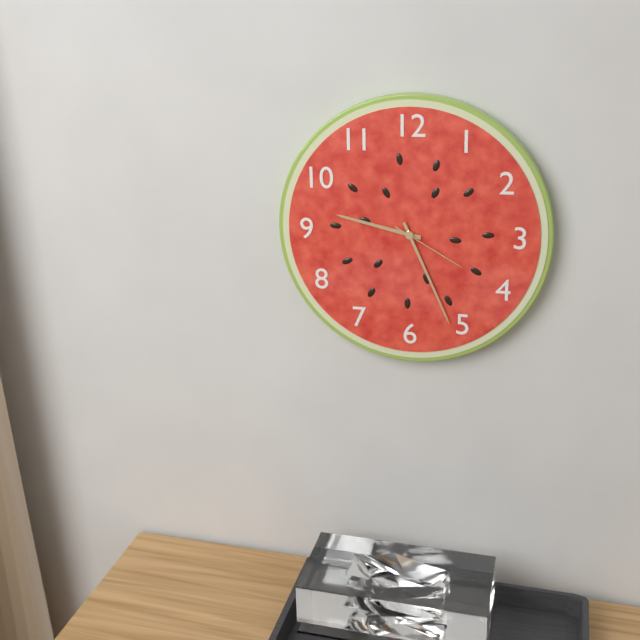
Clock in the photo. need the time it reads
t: 9:26:20
